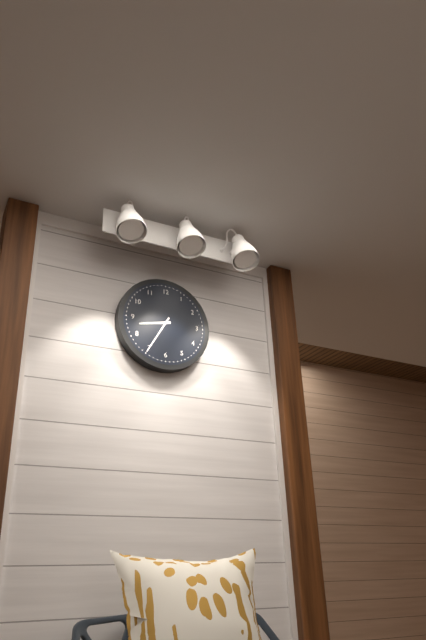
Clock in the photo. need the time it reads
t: 8:35
